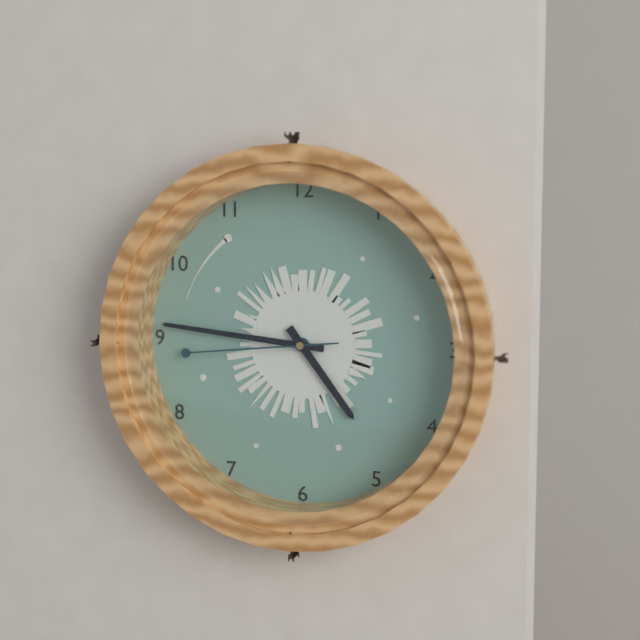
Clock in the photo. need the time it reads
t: 4:46:44
